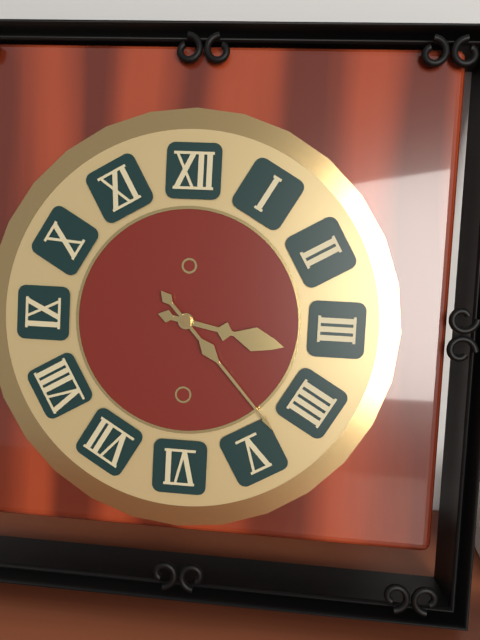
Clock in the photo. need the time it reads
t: 3:23
